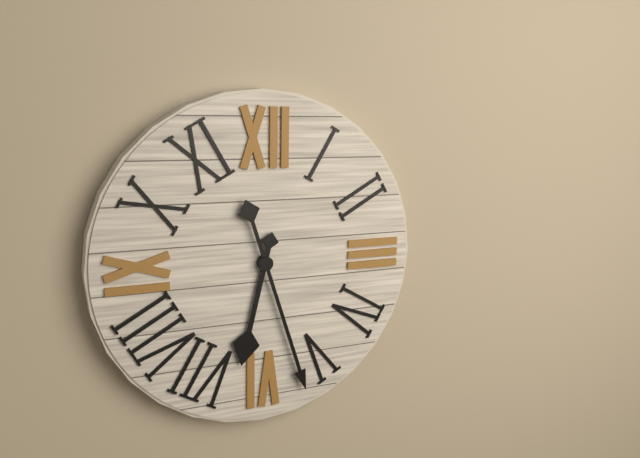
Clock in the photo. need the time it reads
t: 6:27
